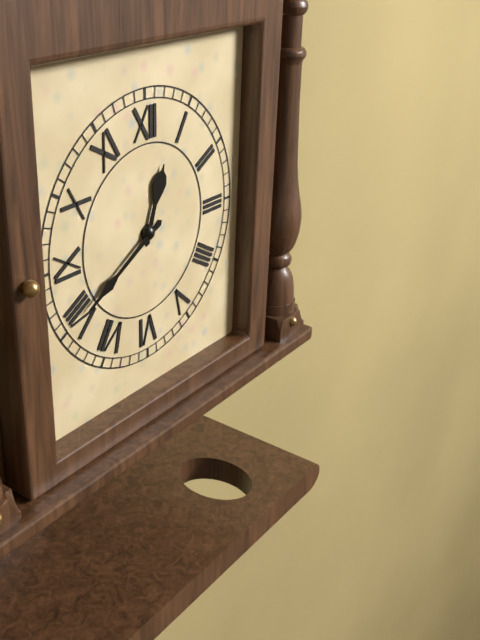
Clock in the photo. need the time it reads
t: 12:40
